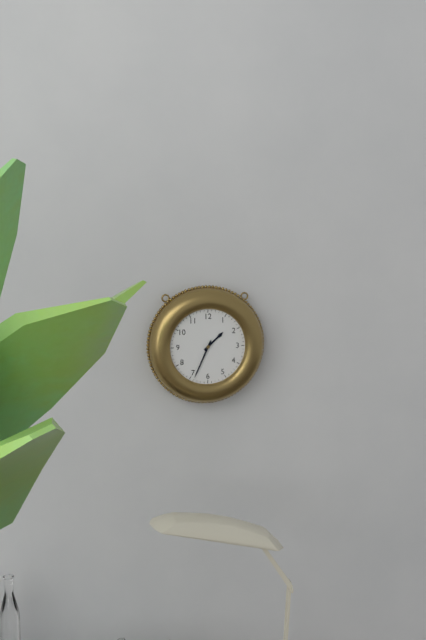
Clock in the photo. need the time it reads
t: 1:34
